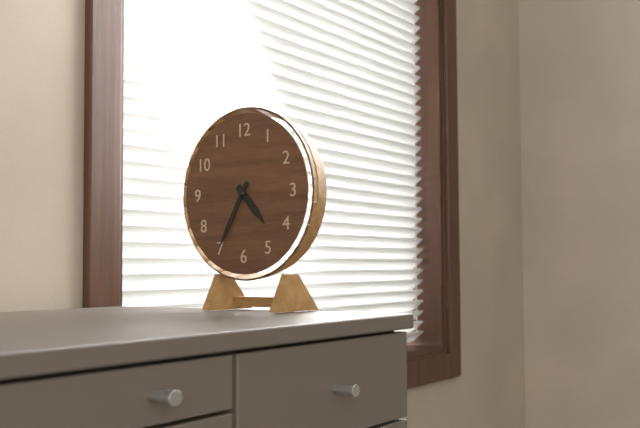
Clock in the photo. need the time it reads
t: 4:35
